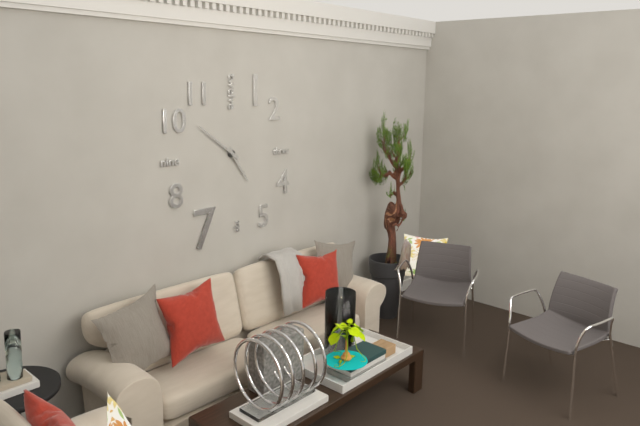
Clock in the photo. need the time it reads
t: 4:51
